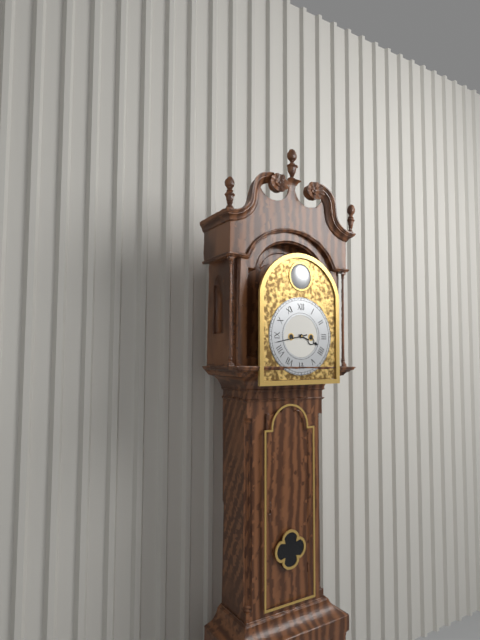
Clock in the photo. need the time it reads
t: 3:43
